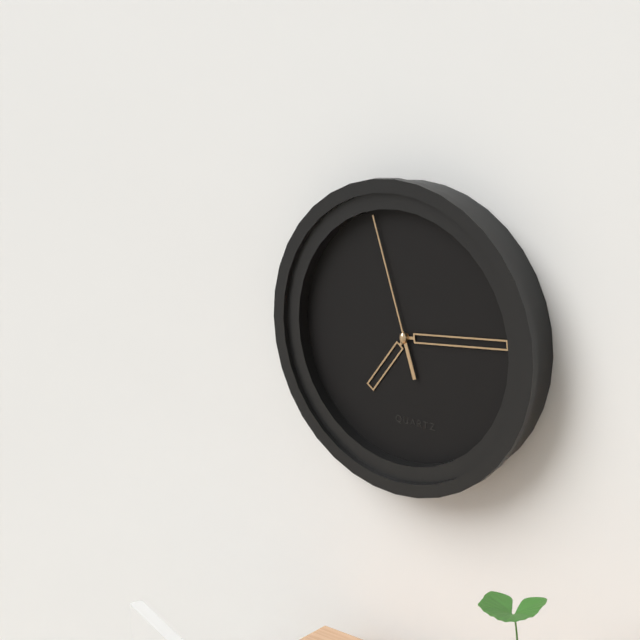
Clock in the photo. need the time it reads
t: 7:14:57
